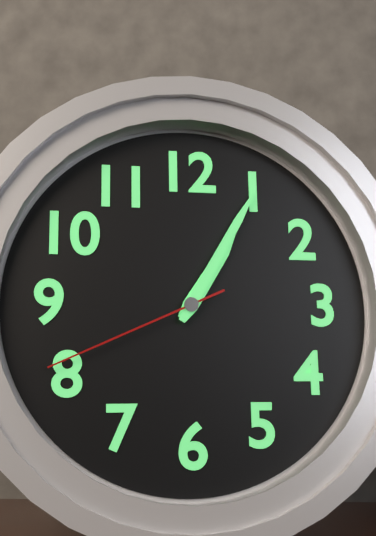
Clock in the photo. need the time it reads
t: 1:05:41
